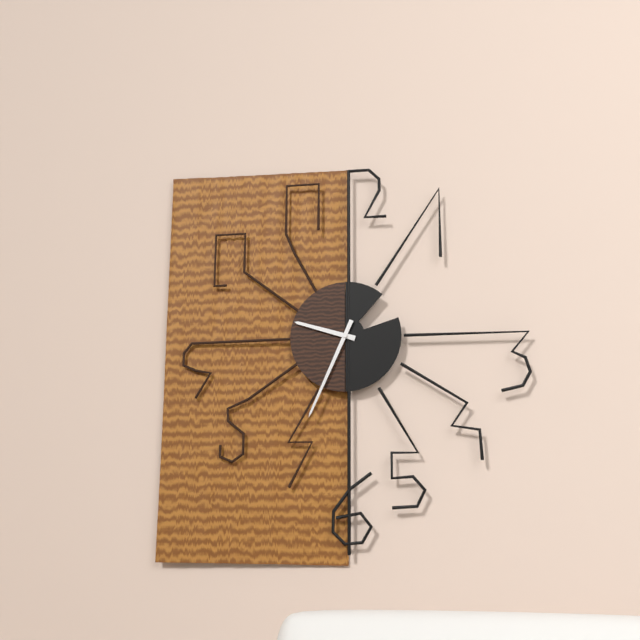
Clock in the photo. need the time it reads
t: 9:34
